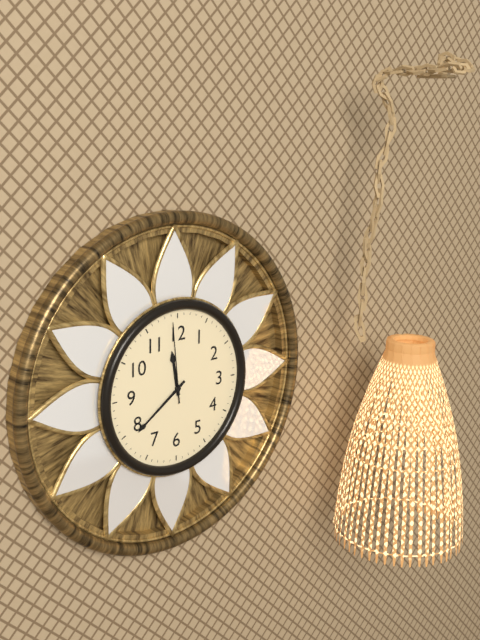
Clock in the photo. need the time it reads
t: 11:39:59
